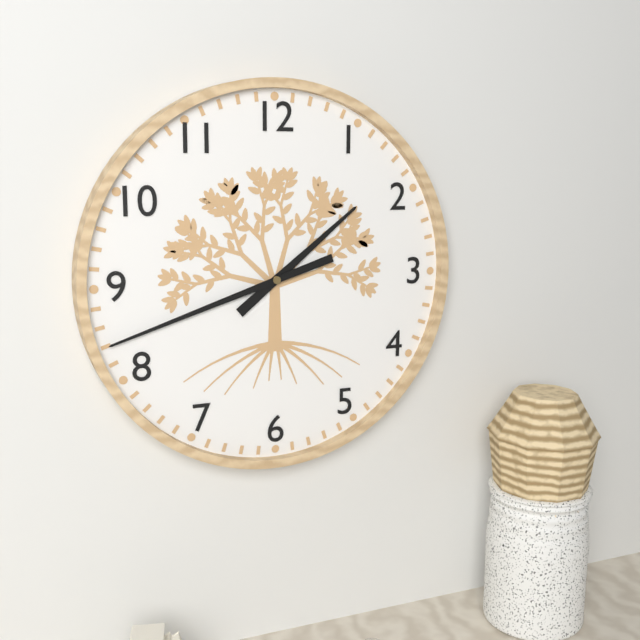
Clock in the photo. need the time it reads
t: 1:42
